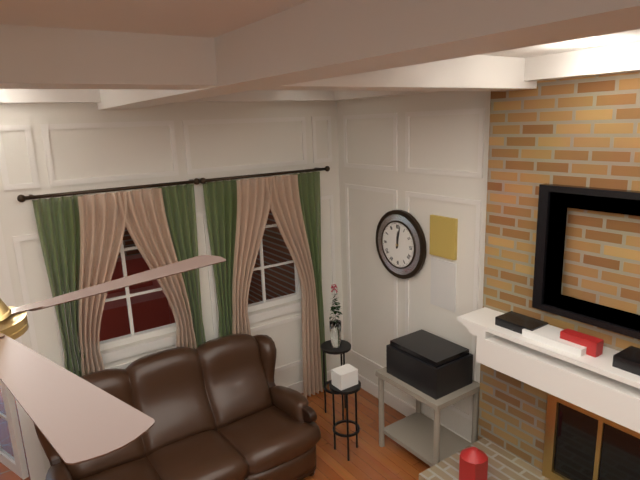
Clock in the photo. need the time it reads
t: 12:02
